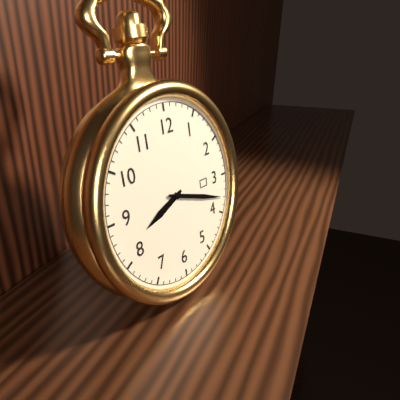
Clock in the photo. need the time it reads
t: 8:18
